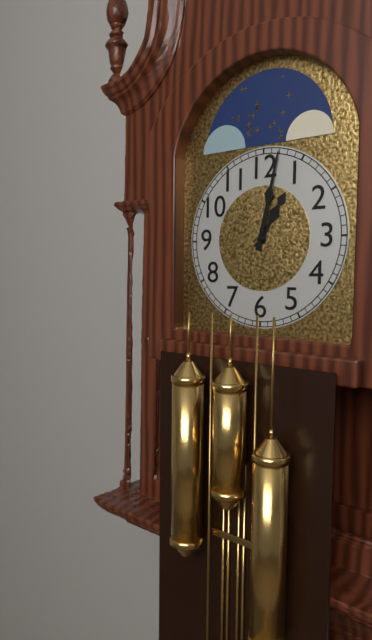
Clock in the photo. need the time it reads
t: 1:02
